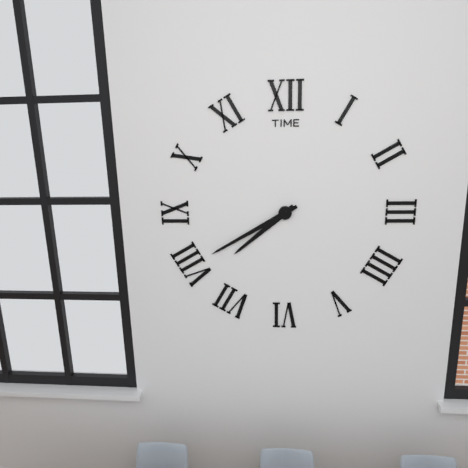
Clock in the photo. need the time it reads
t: 7:40
